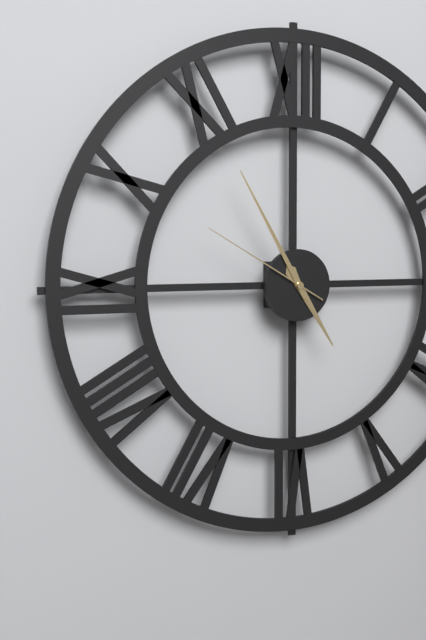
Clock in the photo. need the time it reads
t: 4:55:50
